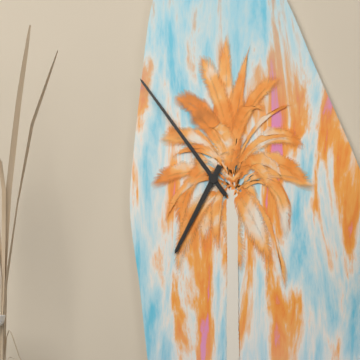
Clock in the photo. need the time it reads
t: 6:54
